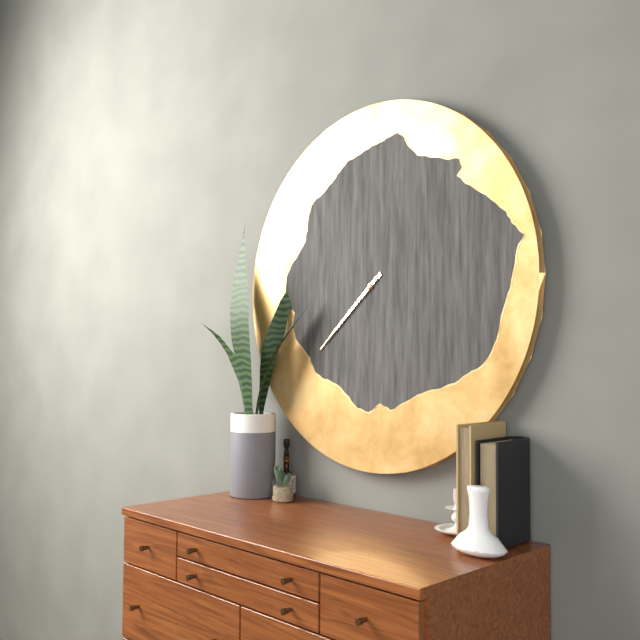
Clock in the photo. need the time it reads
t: 7:38
